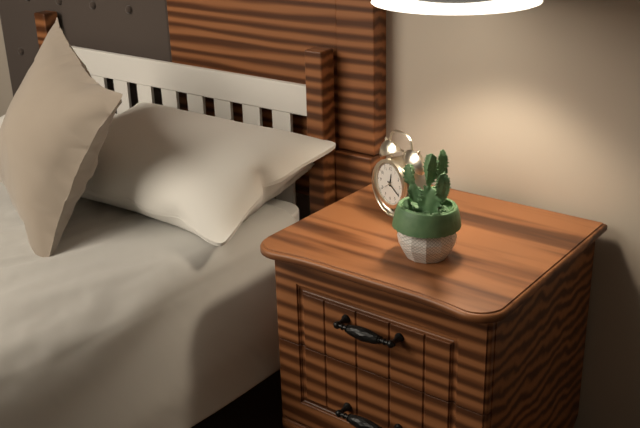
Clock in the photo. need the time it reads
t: 12:20
